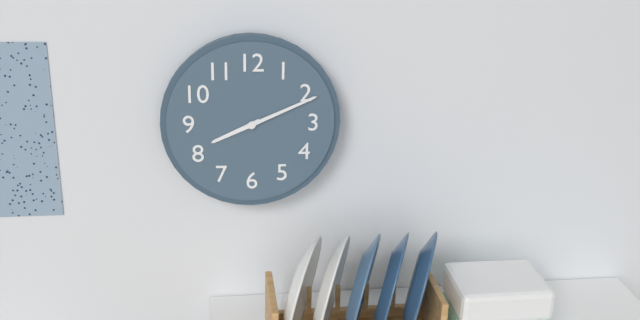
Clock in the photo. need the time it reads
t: 8:11
